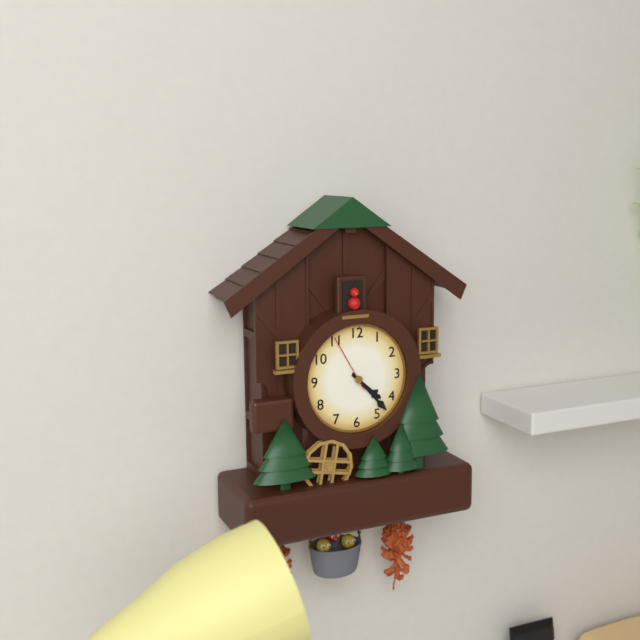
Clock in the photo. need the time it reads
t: 4:23:55
